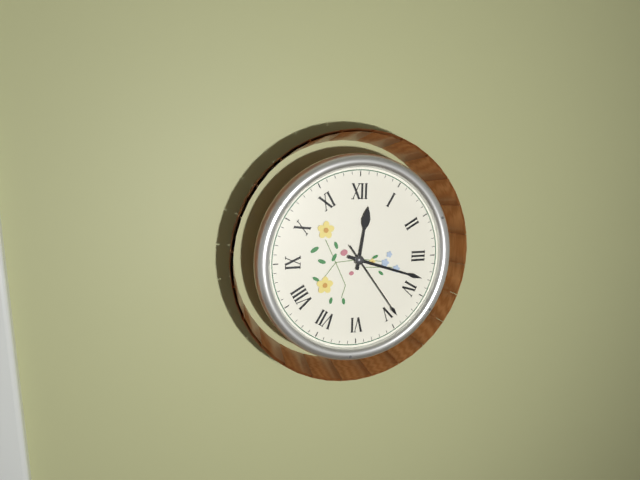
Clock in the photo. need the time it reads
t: 12:18:24
